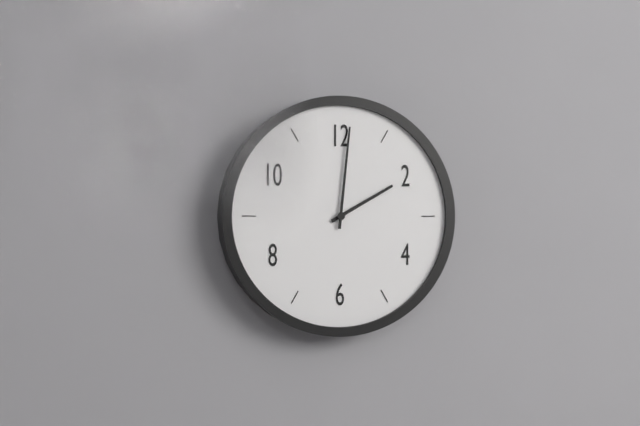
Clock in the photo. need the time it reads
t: 2:01
